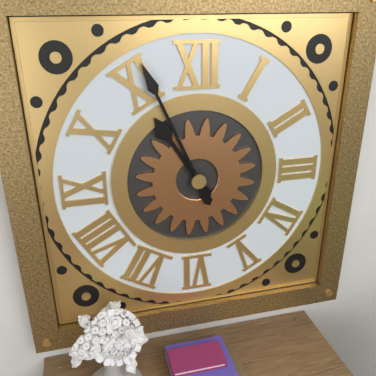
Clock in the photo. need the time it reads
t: 10:56
